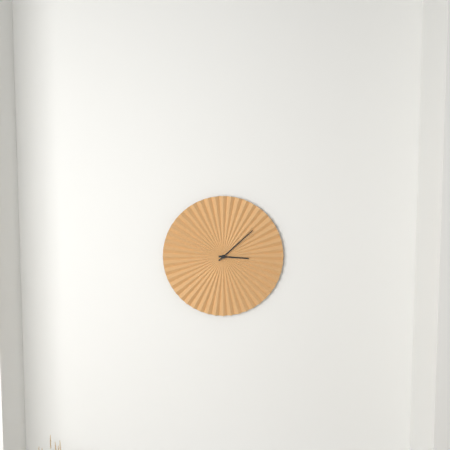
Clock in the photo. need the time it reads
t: 3:08
